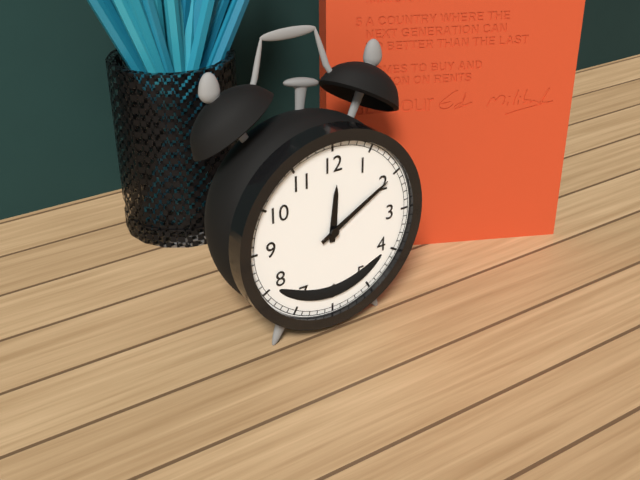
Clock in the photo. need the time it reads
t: 12:10
